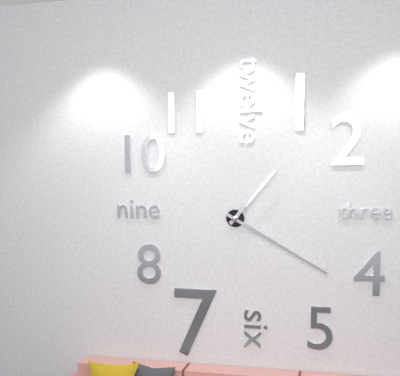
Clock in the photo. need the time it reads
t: 1:20
